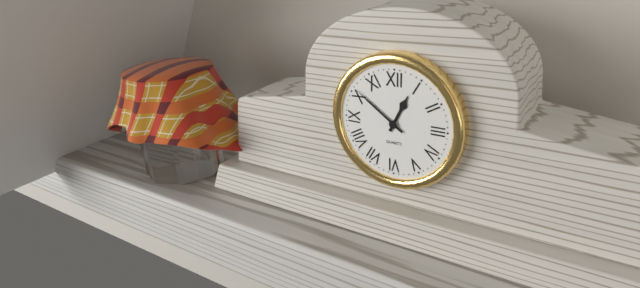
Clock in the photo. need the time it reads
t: 12:51
